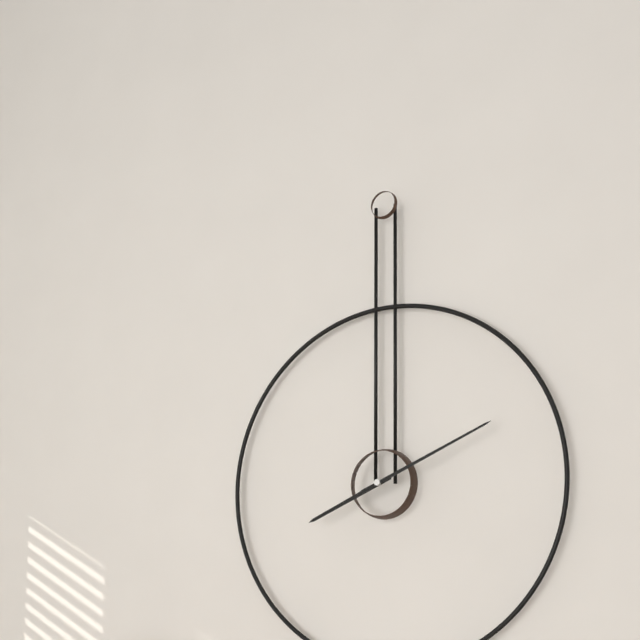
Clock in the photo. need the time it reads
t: 8:11
